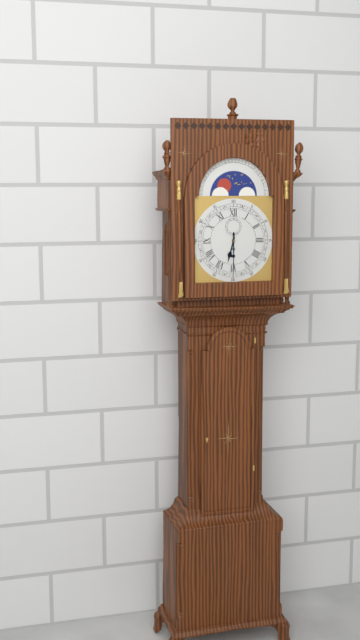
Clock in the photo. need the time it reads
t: 6:30
